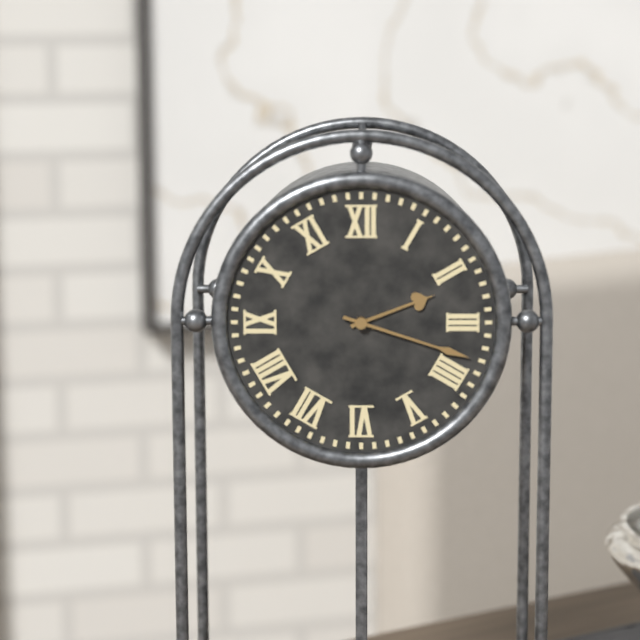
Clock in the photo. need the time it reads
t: 2:18
